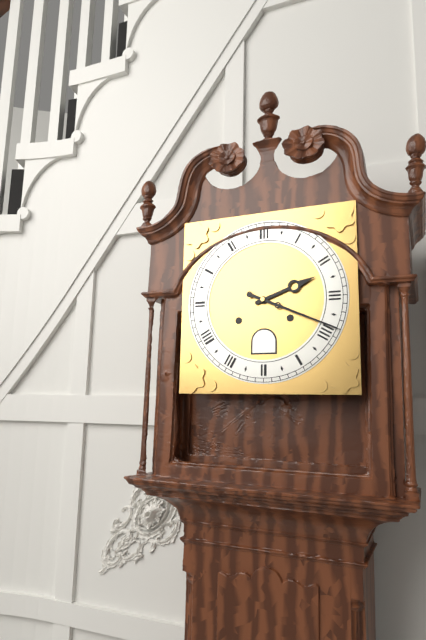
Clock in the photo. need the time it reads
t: 2:19
